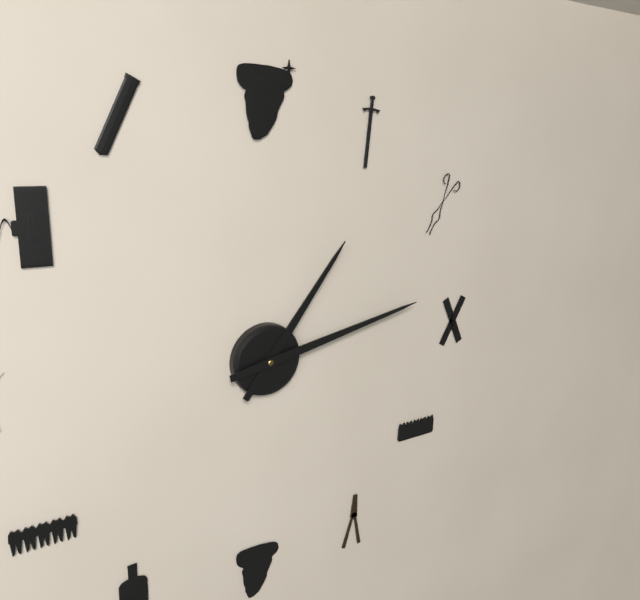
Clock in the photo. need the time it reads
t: 1:13
